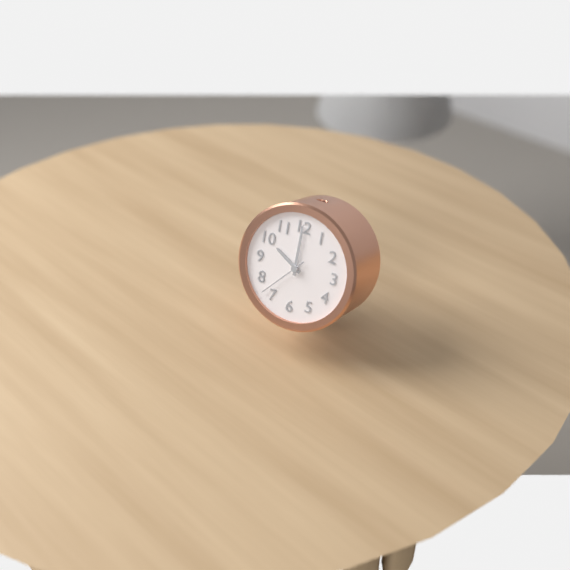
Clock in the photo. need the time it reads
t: 10:00:37
